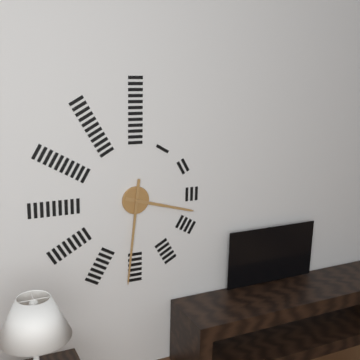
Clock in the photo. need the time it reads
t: 3:31
